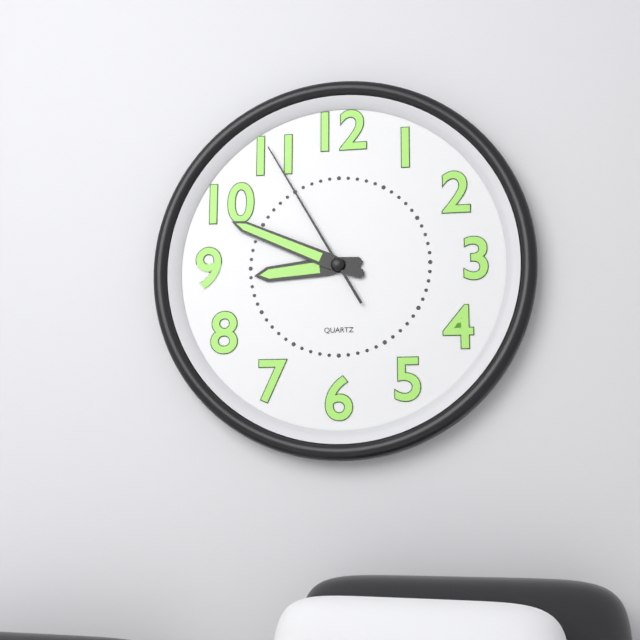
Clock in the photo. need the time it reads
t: 8:49:55
